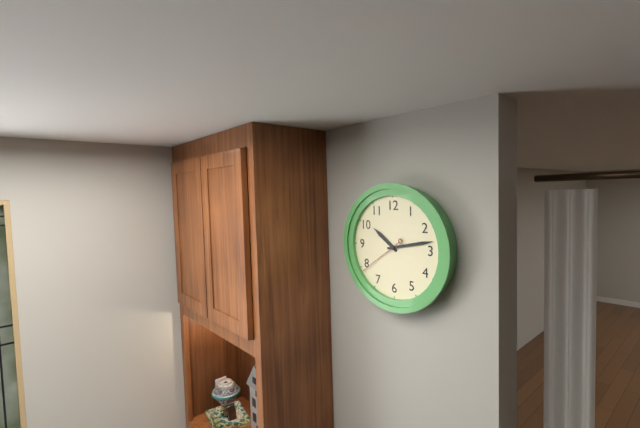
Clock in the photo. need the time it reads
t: 10:13
